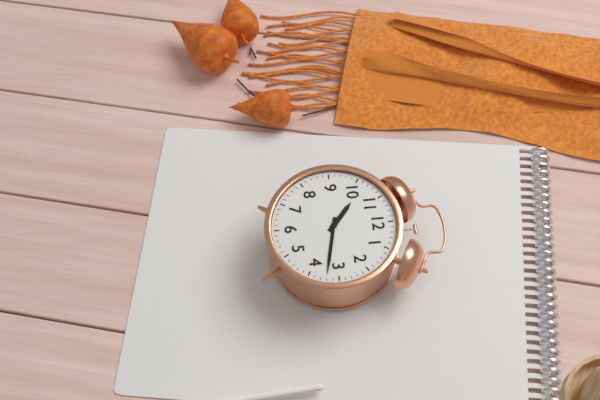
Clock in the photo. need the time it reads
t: 10:17
